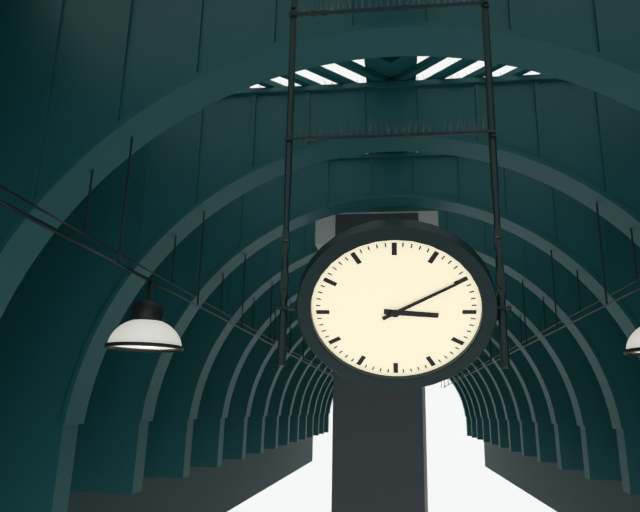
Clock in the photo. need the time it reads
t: 3:10
